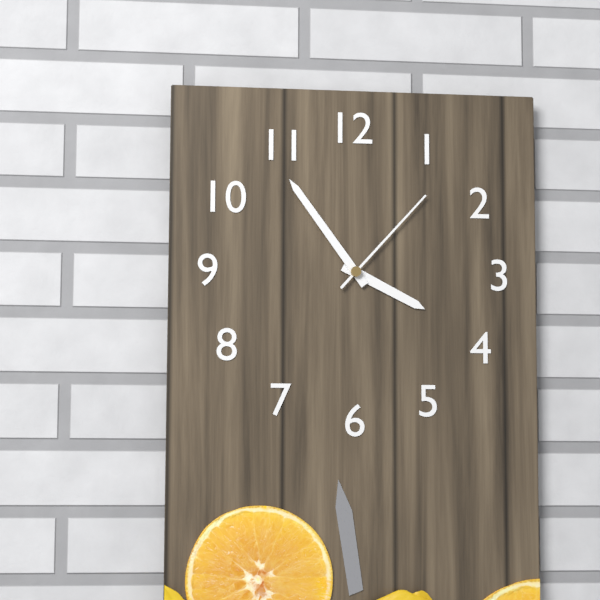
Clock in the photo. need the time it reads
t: 3:54:07
